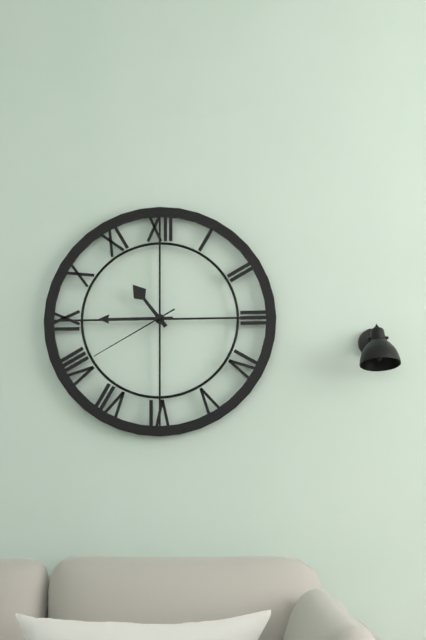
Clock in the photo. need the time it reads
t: 10:45:40
